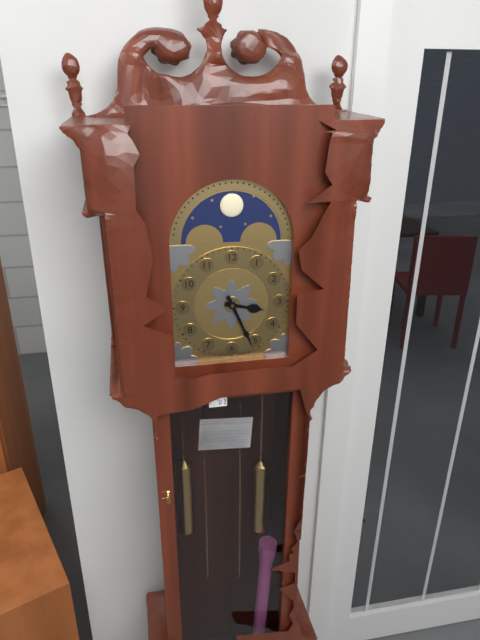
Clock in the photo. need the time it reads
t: 3:26
